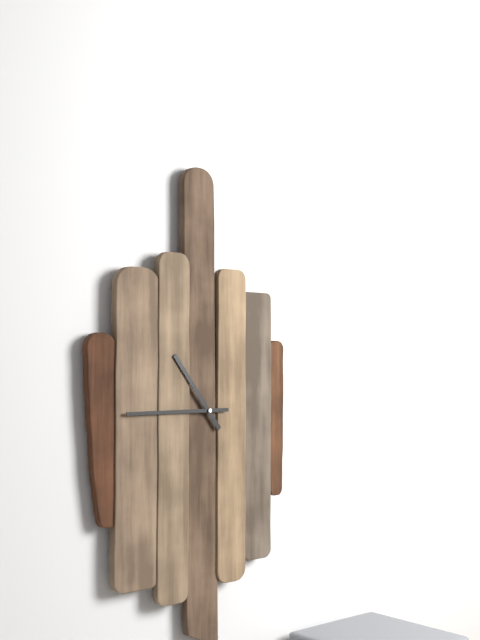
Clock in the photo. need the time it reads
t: 10:45
